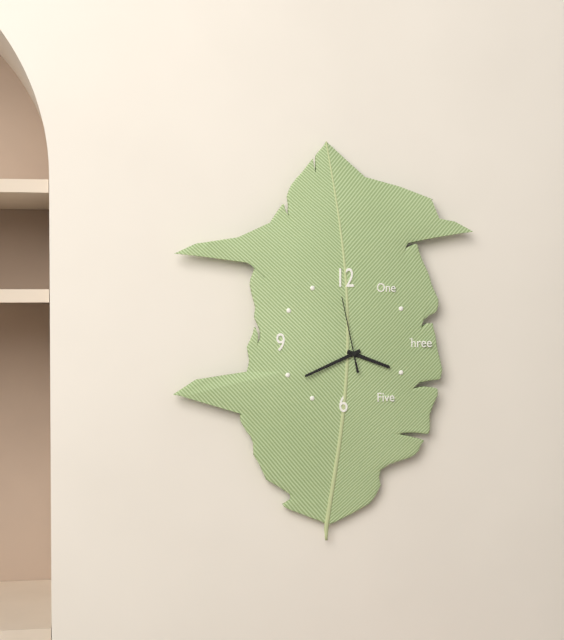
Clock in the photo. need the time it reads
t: 3:41:58
